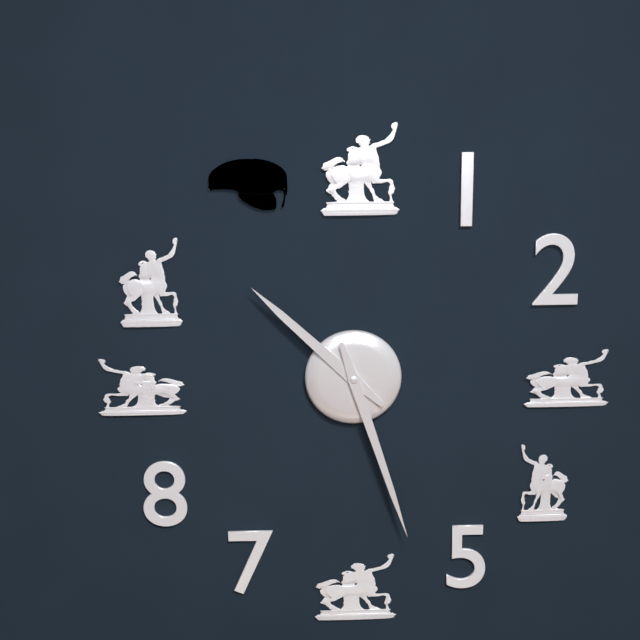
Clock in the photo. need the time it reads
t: 10:27
